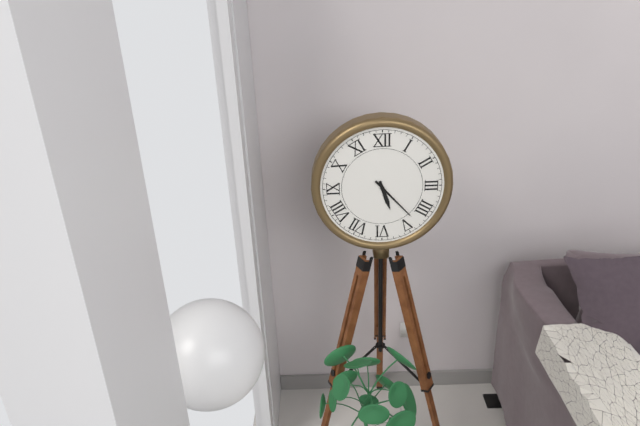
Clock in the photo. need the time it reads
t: 5:23
